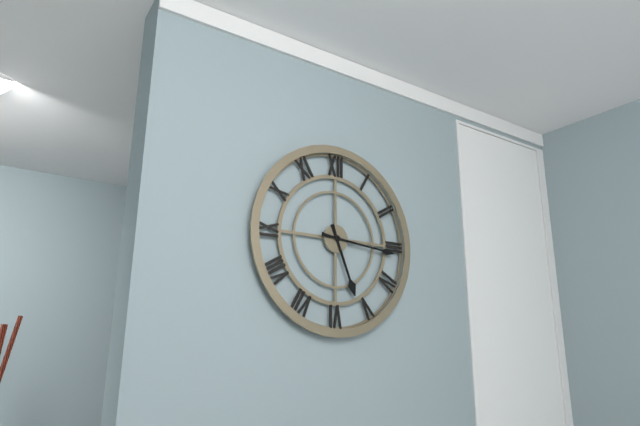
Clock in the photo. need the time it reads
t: 5:16
